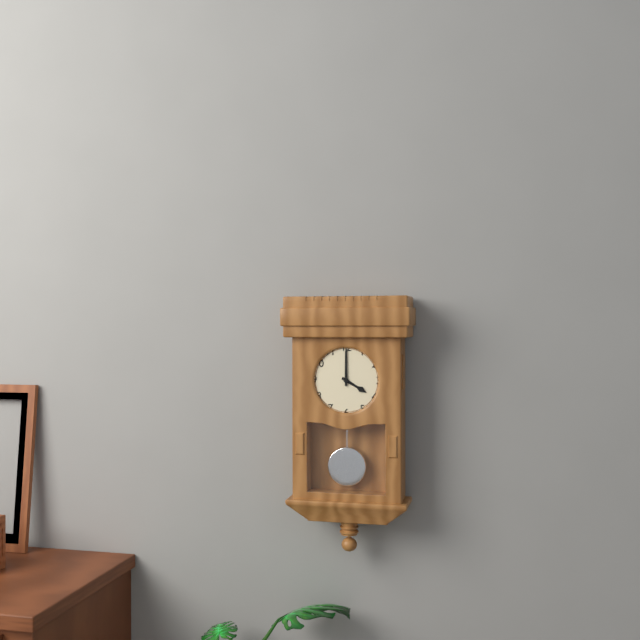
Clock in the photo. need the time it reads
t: 4:00
